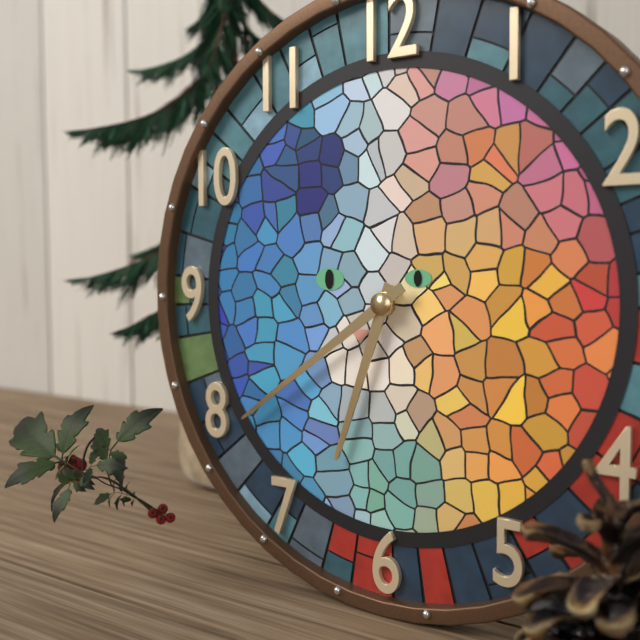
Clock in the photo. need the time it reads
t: 6:39
